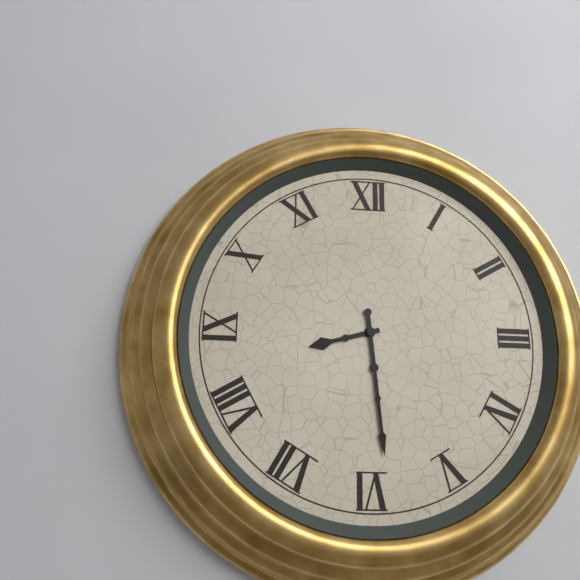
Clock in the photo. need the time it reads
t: 8:29
